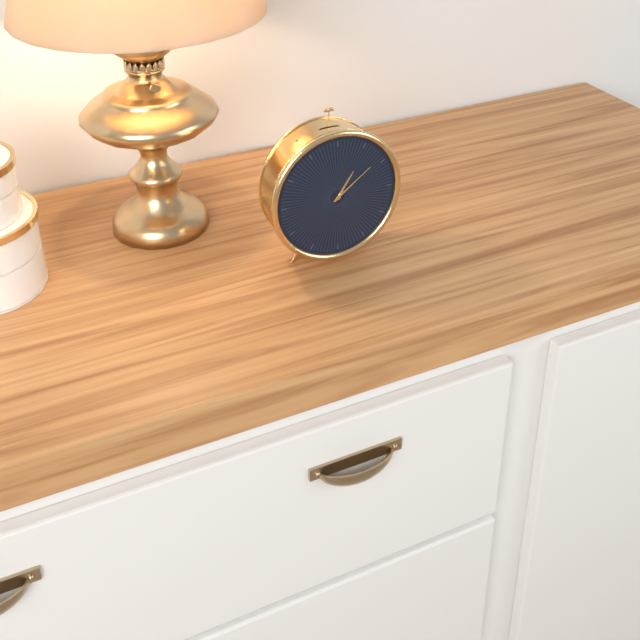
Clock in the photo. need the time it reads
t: 1:09
